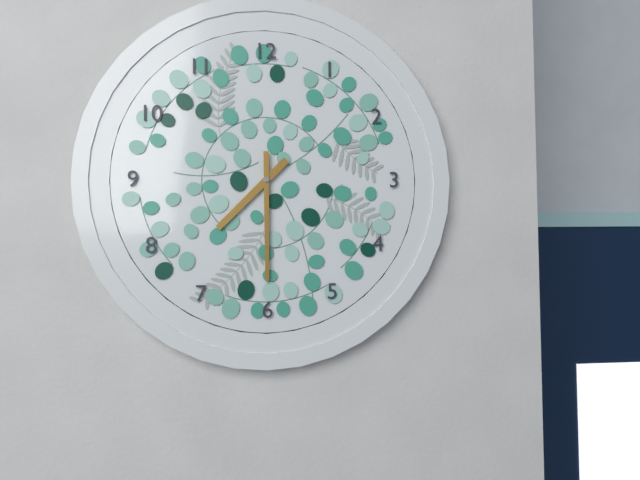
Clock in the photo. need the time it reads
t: 7:30
